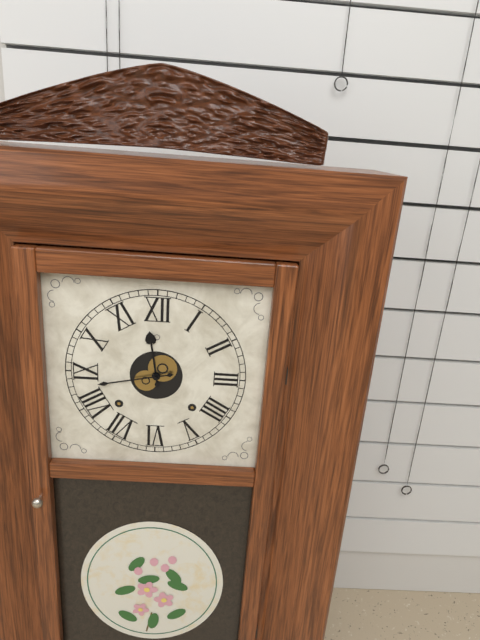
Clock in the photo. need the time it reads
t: 11:43
